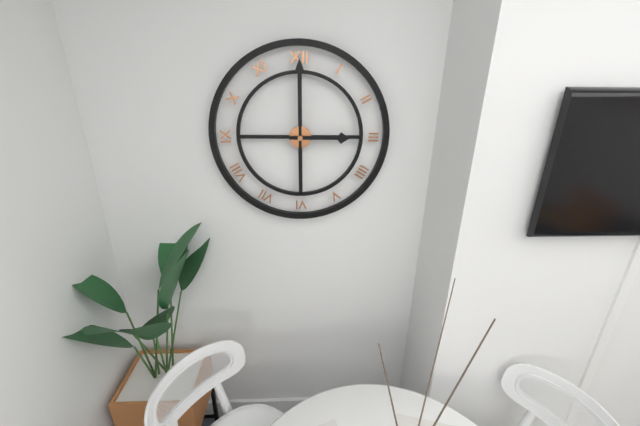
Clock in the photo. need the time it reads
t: 3:00
